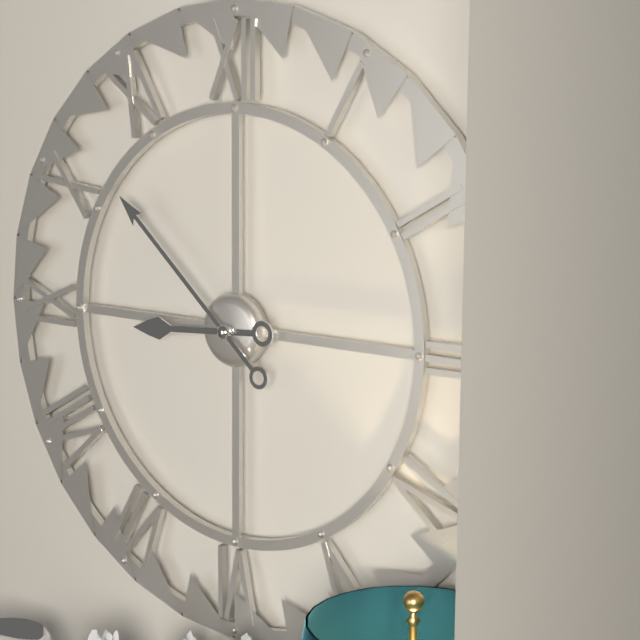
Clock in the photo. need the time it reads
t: 8:52
